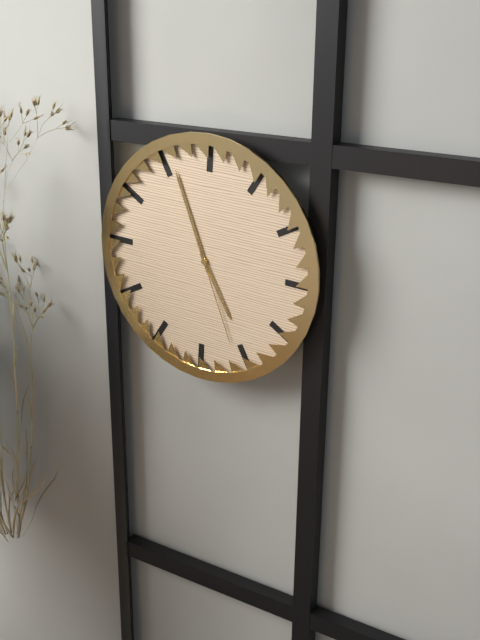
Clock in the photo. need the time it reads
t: 4:56:26
